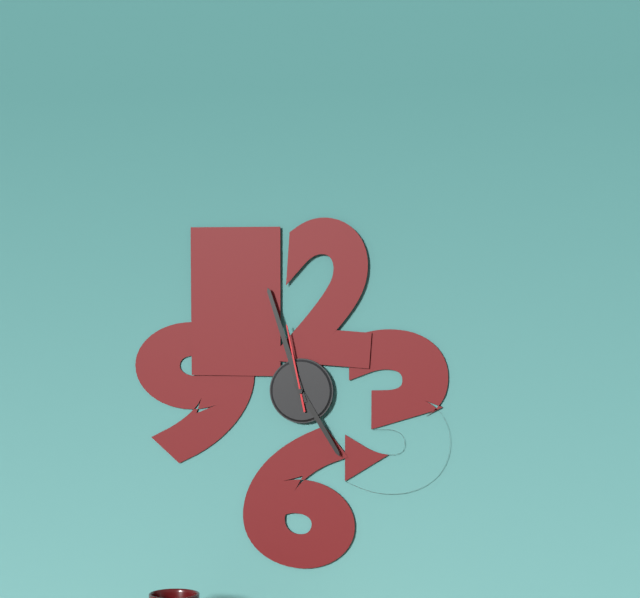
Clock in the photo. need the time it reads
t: 4:57:58
